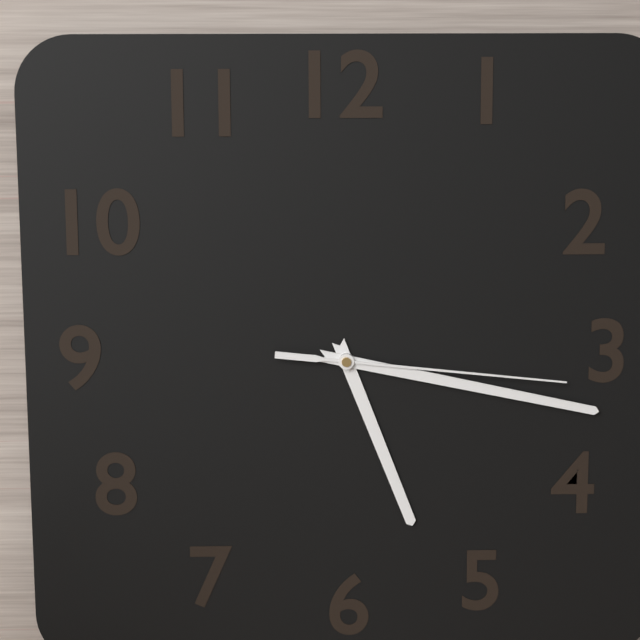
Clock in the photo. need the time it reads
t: 5:17:16
